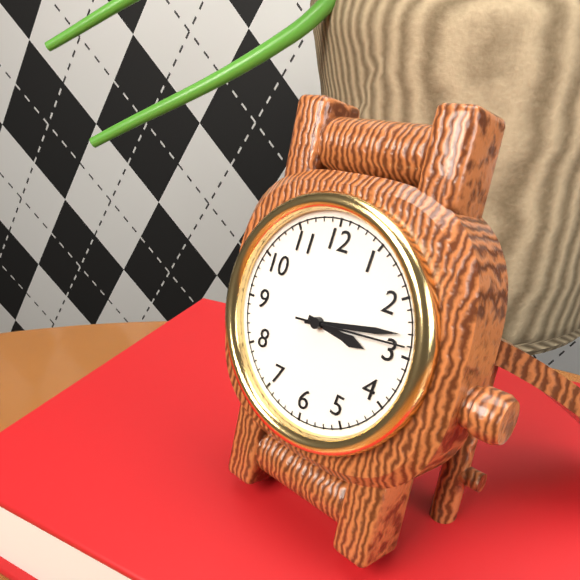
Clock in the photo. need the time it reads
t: 3:13:14
